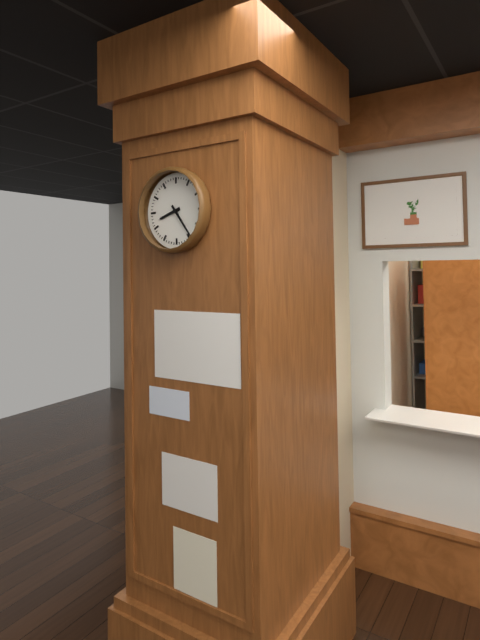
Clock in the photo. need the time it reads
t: 8:24
